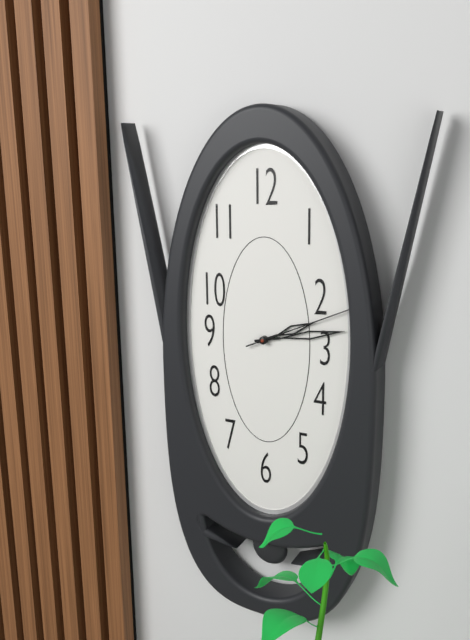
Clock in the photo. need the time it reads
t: 2:13:11
